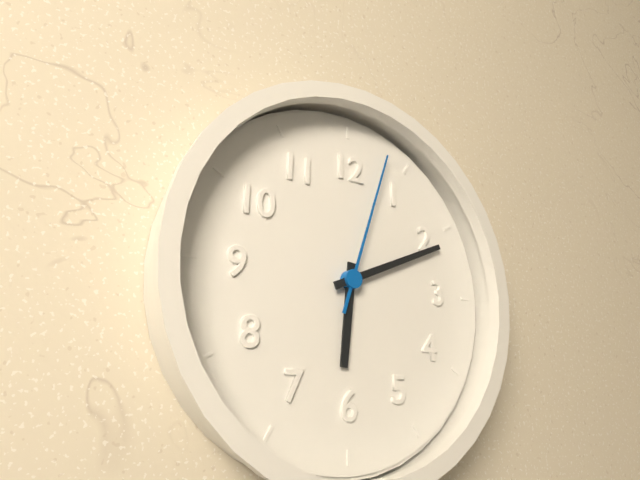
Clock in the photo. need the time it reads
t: 6:11:03
